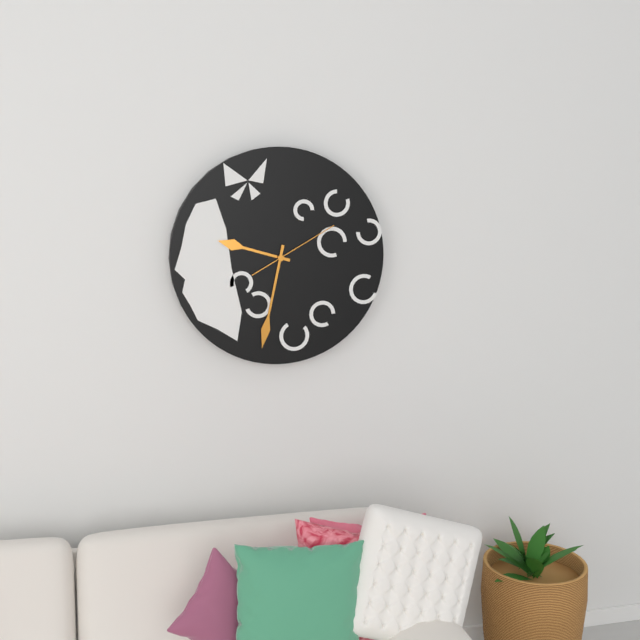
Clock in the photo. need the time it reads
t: 9:32:10
